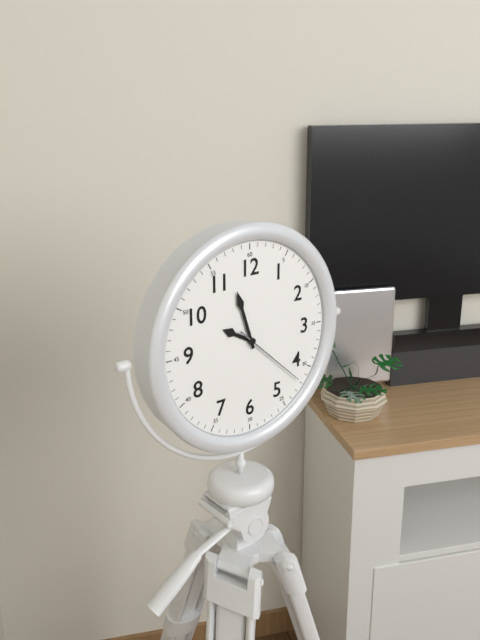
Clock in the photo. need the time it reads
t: 9:57:22
